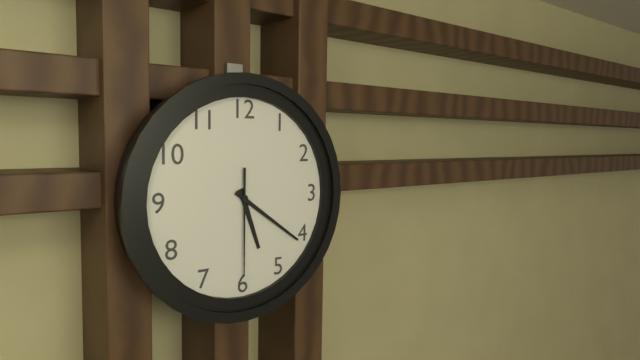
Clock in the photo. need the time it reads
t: 5:21:30
